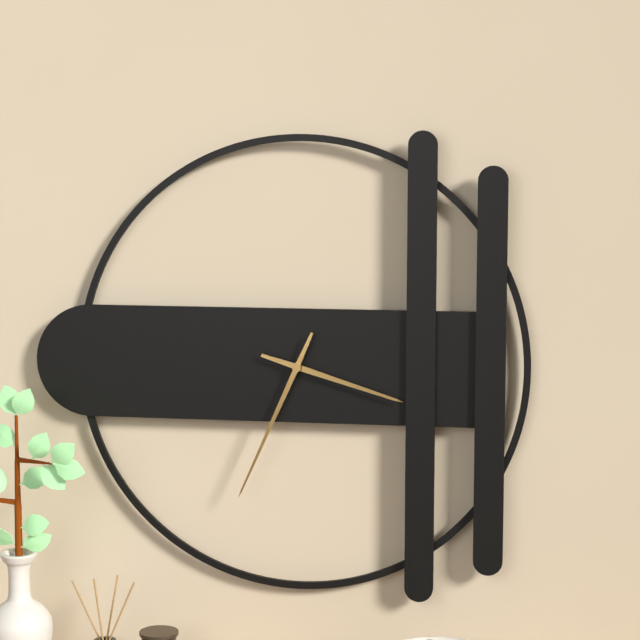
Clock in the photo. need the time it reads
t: 3:34
